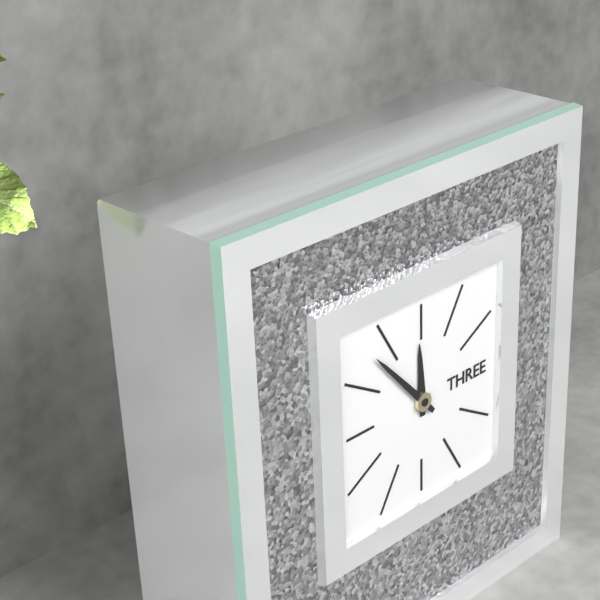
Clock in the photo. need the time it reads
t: 11:53
